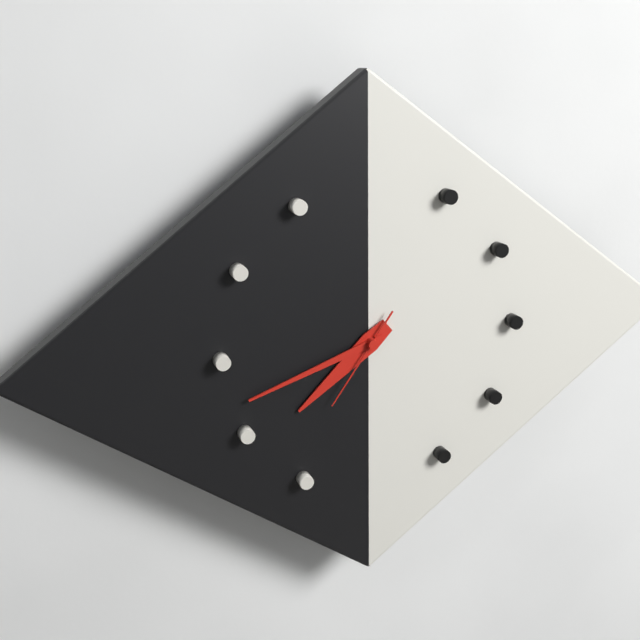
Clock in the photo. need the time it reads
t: 7:42:36
